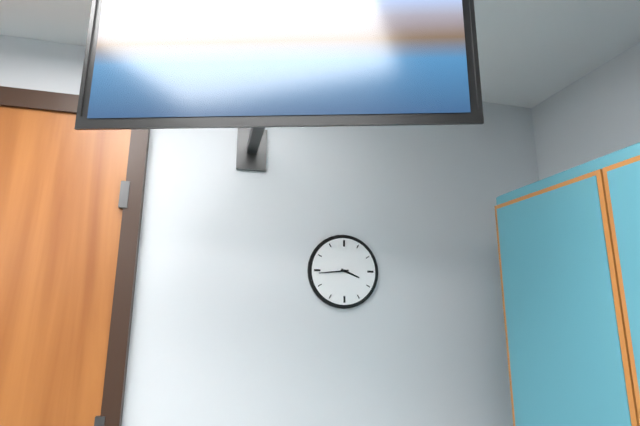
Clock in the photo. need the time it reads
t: 3:44
